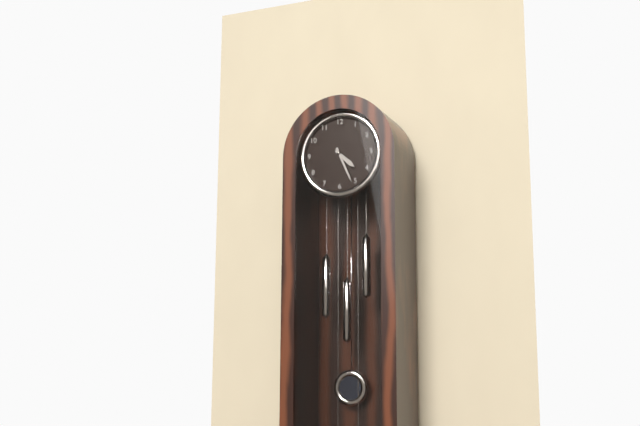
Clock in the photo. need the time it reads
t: 4:26
